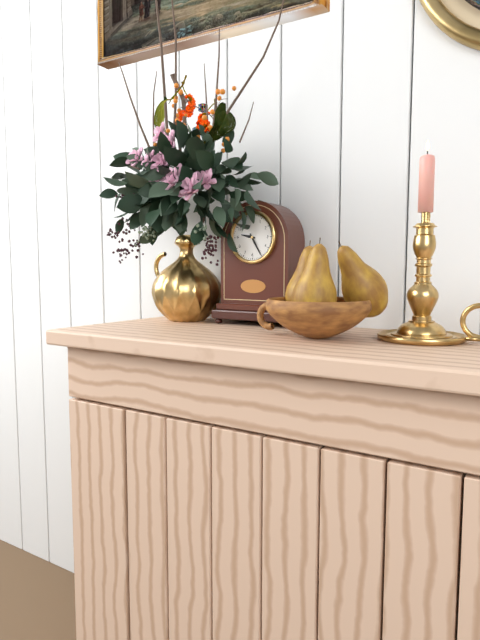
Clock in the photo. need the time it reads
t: 9:25
